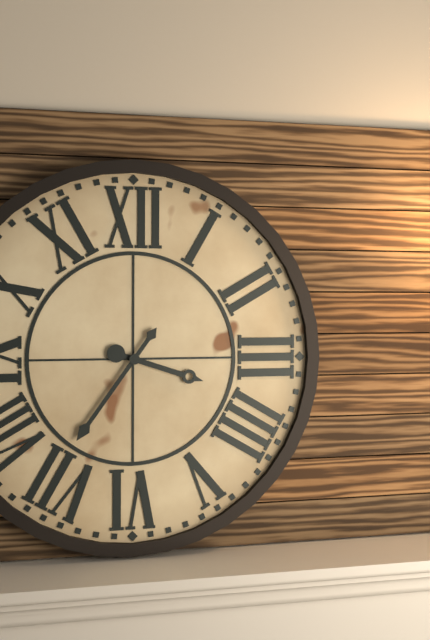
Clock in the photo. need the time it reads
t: 3:36
